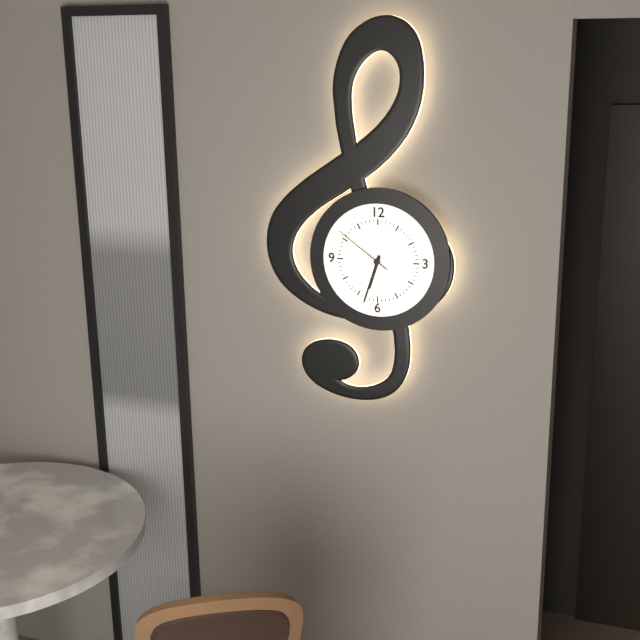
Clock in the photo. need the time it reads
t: 6:33:51
